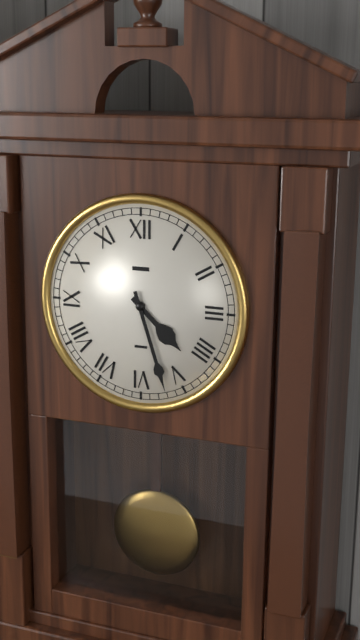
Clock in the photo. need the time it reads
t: 4:27
